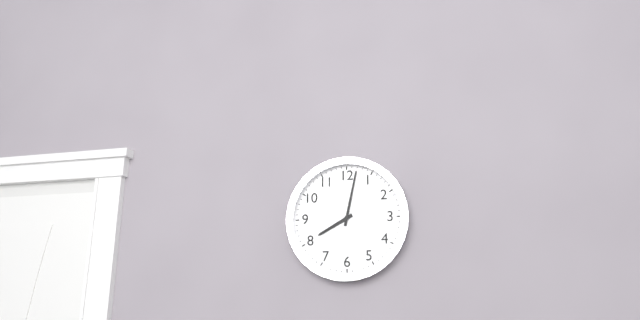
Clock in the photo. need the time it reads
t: 8:02
